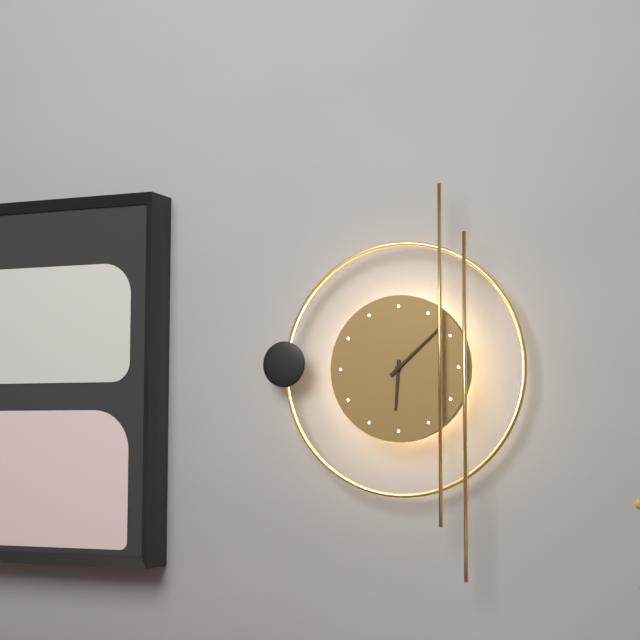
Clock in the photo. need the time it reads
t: 6:08
